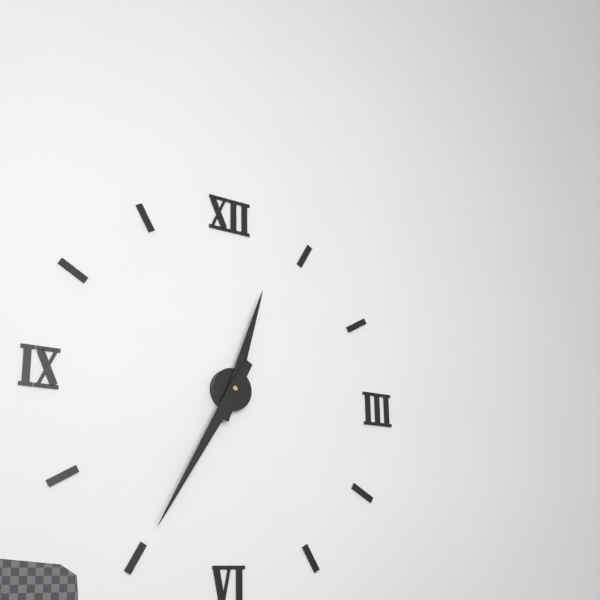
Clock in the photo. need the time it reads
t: 12:35
